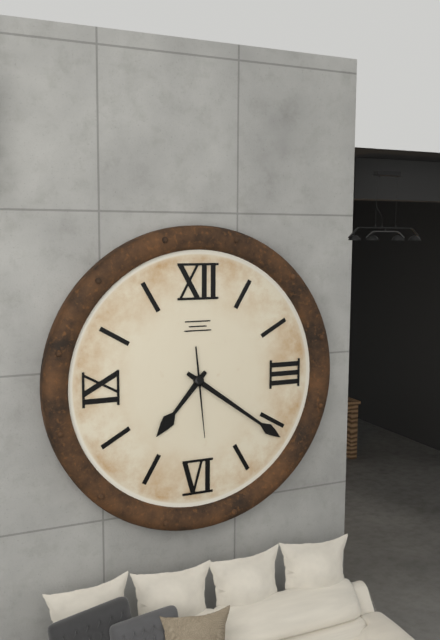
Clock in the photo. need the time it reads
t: 7:21:29
